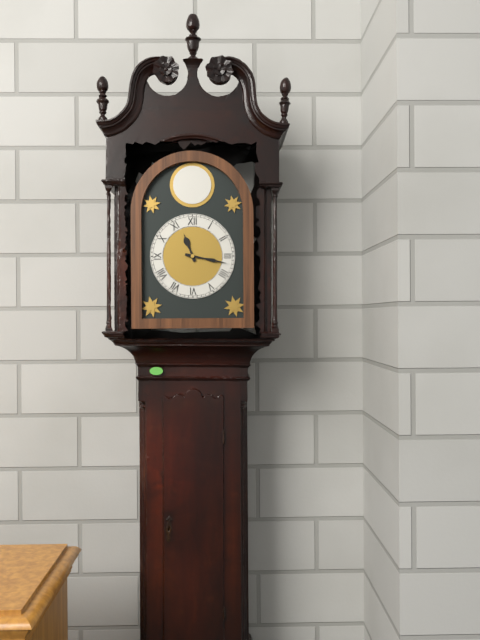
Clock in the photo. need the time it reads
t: 11:17
